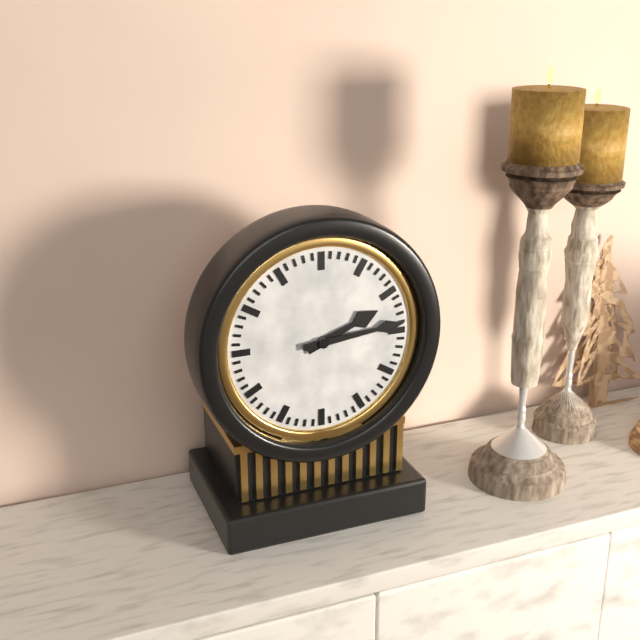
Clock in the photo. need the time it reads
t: 2:14
